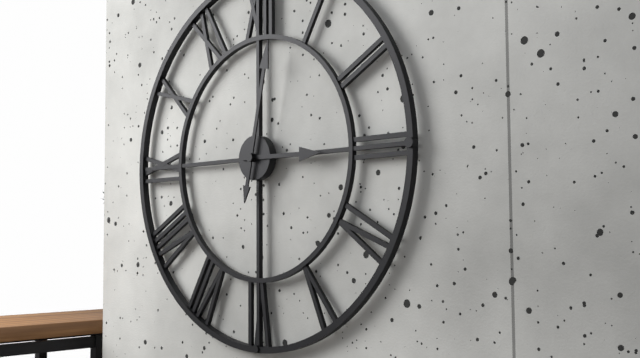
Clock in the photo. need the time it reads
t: 3:02
